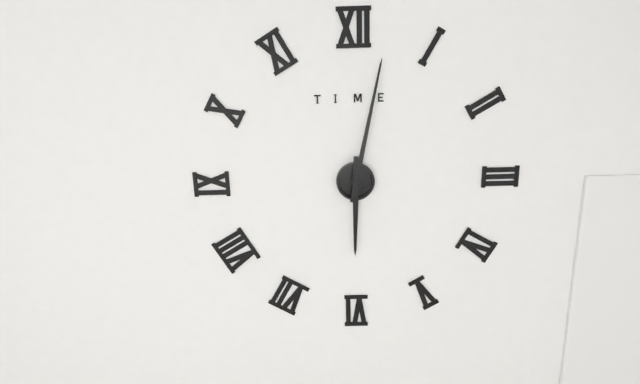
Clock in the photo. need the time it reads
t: 6:02
